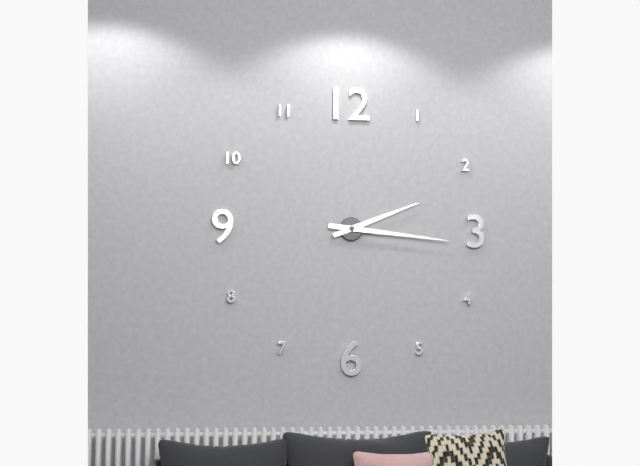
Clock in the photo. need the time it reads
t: 2:16
